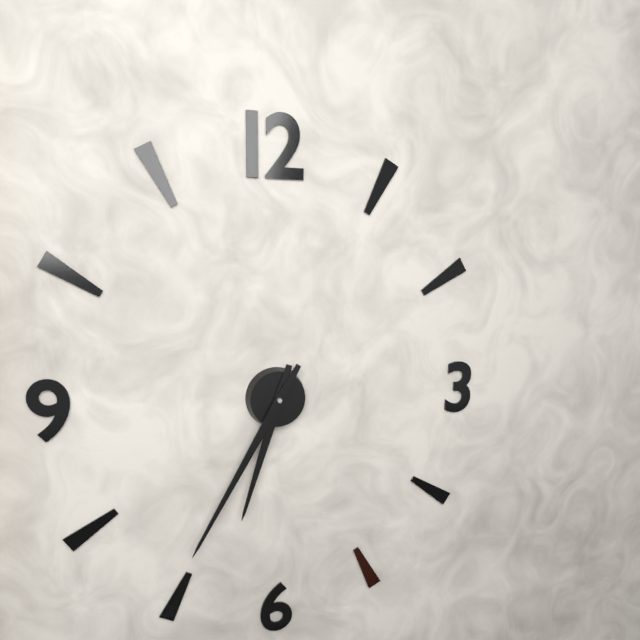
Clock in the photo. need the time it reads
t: 6:35
